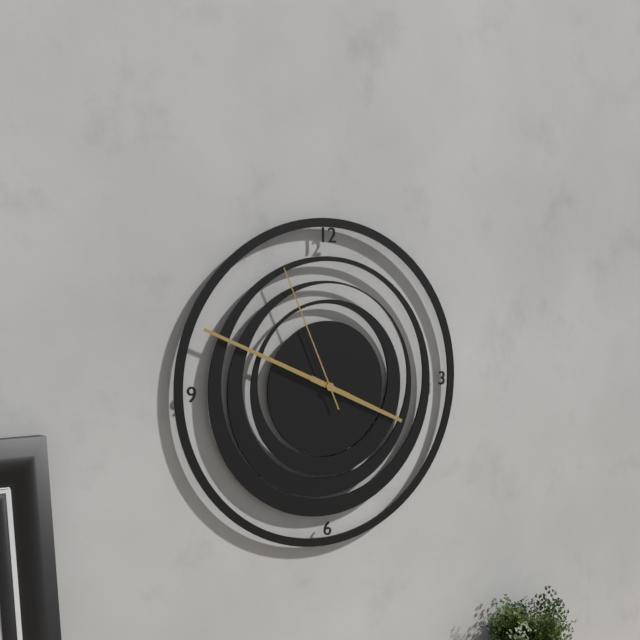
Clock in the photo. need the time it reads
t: 3:49:56
